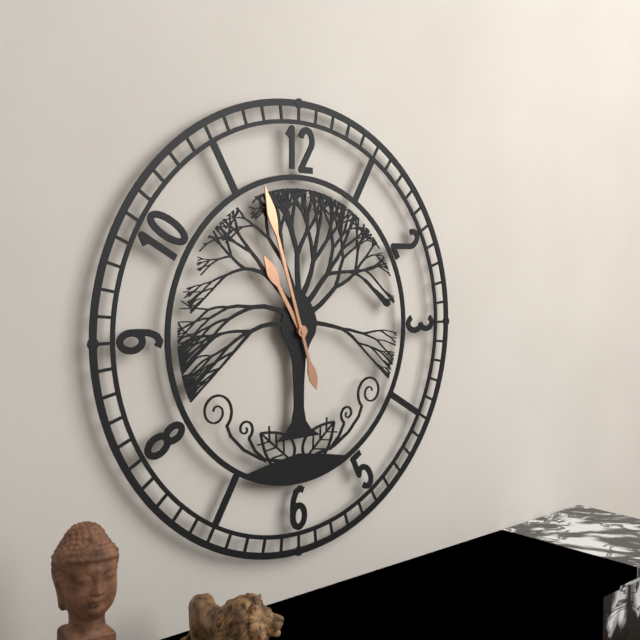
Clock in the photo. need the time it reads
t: 10:57
